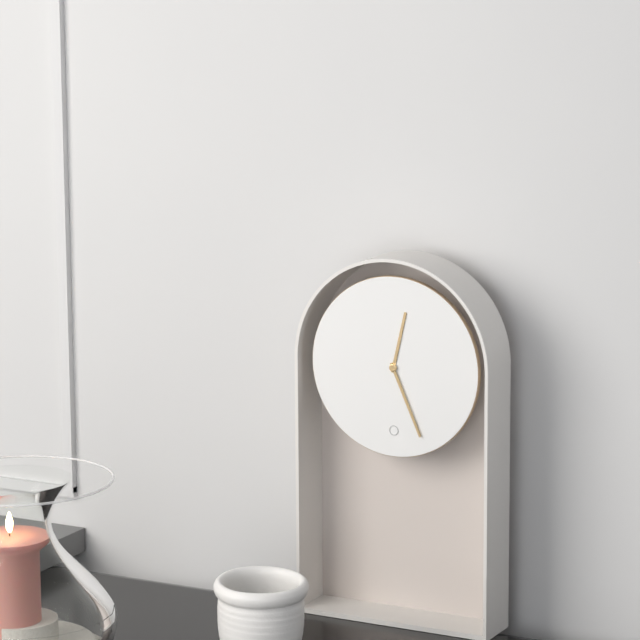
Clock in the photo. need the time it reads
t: 12:26
